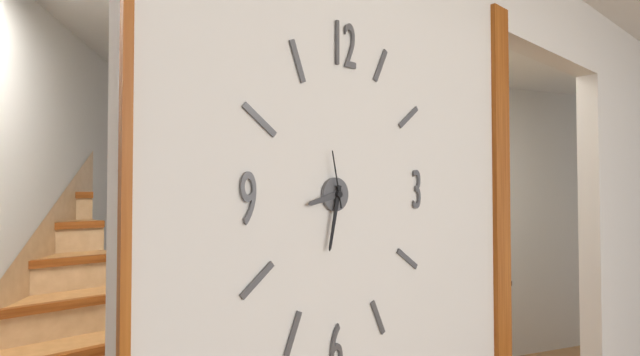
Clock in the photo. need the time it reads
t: 8:32:58
